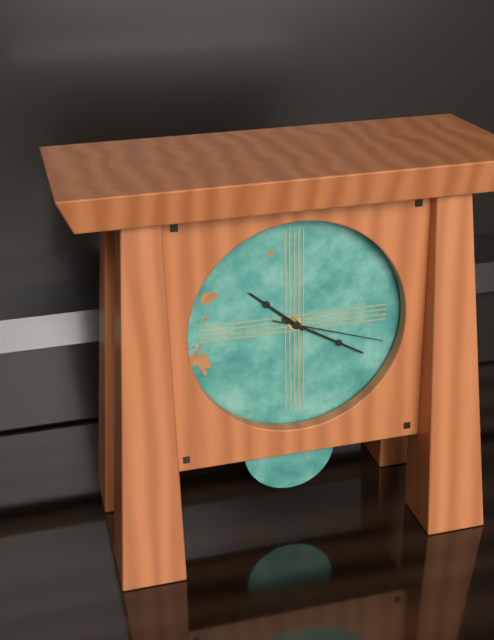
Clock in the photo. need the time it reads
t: 10:20:18
